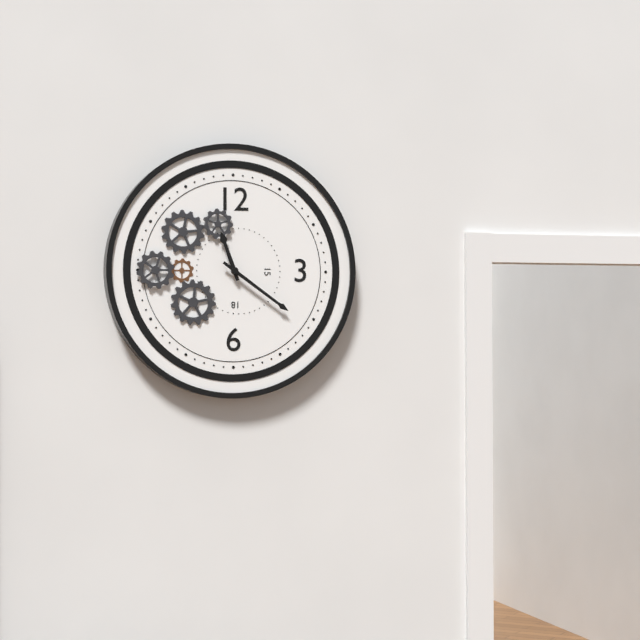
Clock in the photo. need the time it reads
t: 11:21
